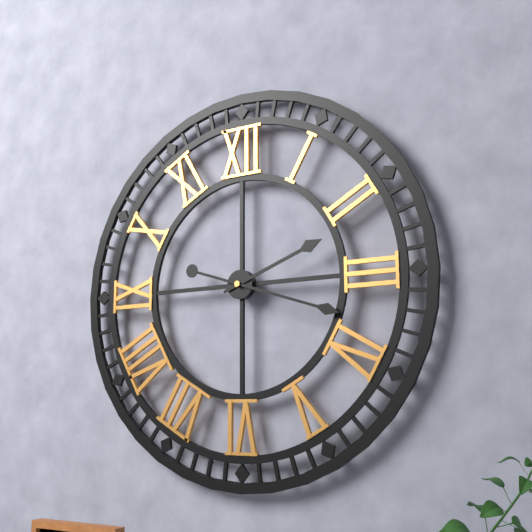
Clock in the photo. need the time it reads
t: 2:18
